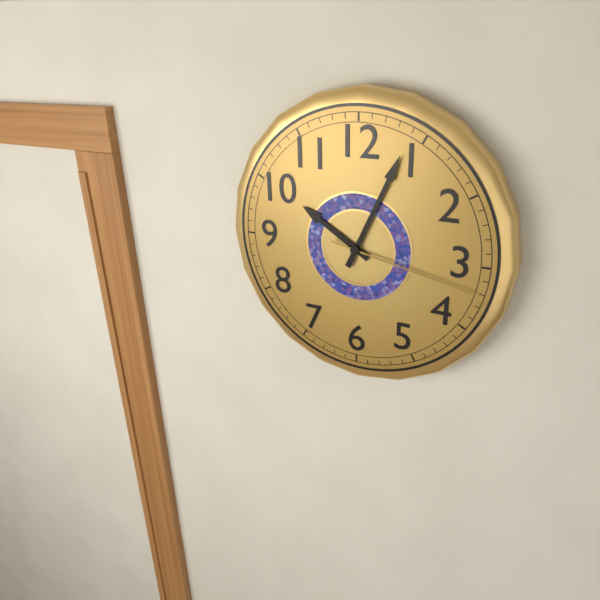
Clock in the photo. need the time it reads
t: 10:04:17
